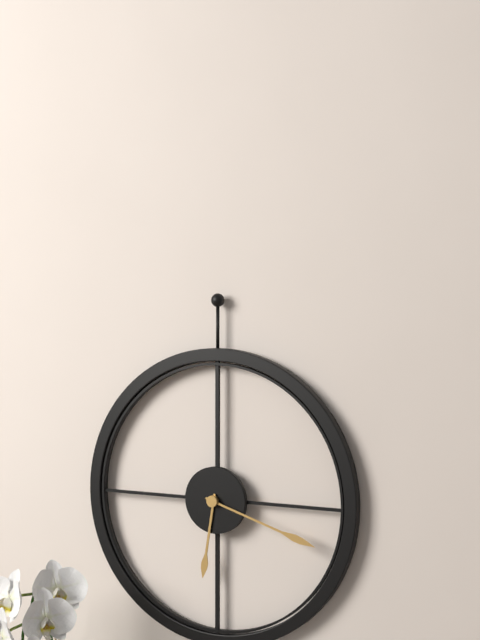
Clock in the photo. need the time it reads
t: 6:18
